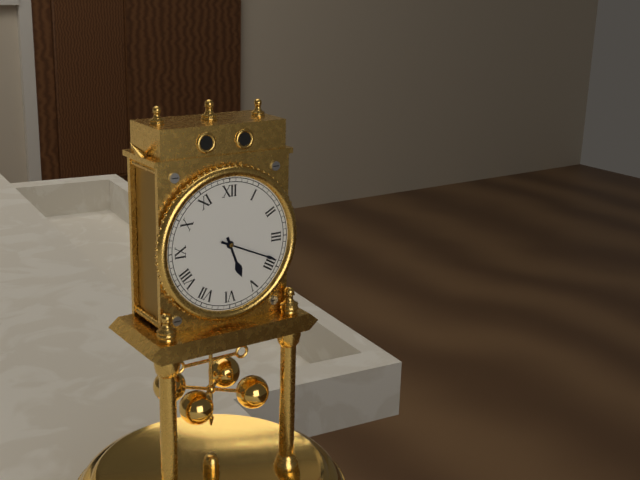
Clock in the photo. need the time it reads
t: 5:19
